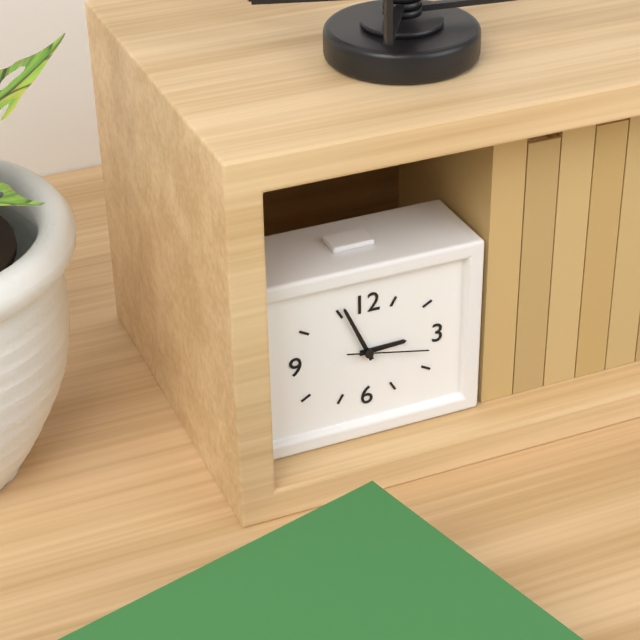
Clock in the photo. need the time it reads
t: 2:56:17
